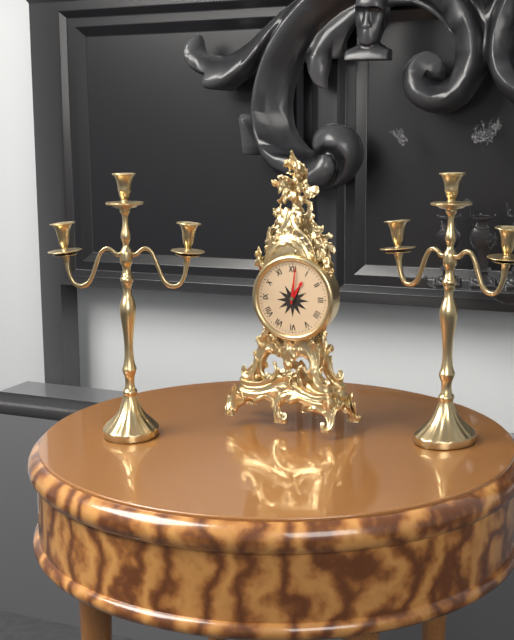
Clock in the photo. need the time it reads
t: 1:01
